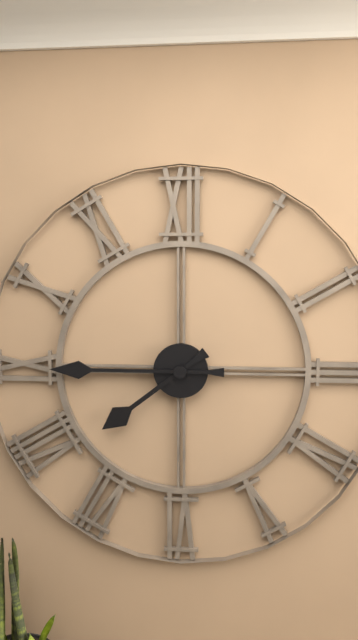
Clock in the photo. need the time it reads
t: 7:45
